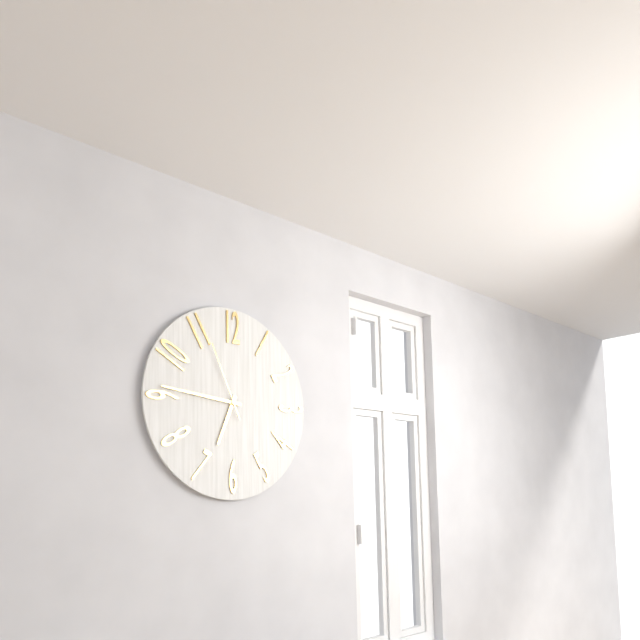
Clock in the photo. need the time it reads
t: 6:46:56
